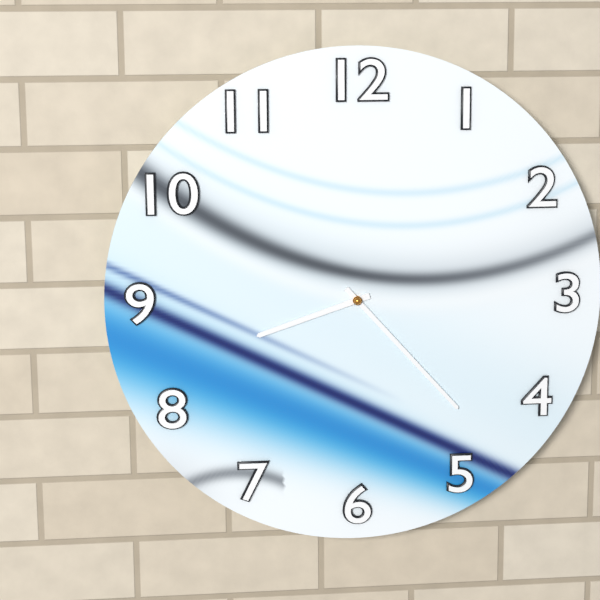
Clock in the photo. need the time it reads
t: 8:23
